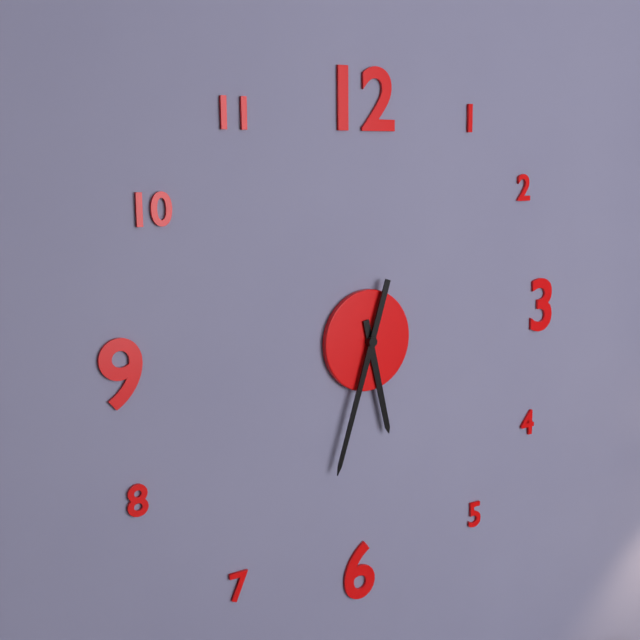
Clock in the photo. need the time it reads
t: 5:33
